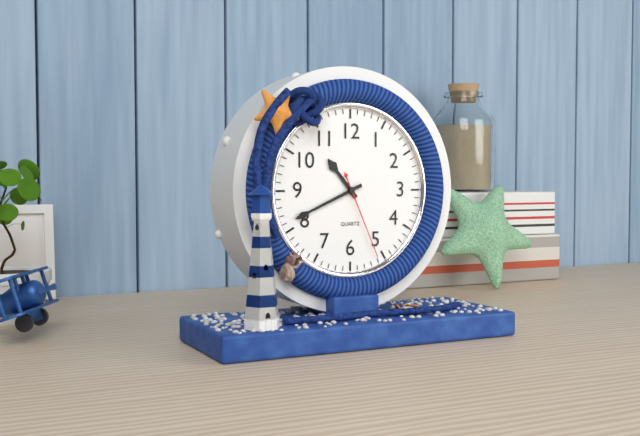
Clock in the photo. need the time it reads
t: 10:41:26
